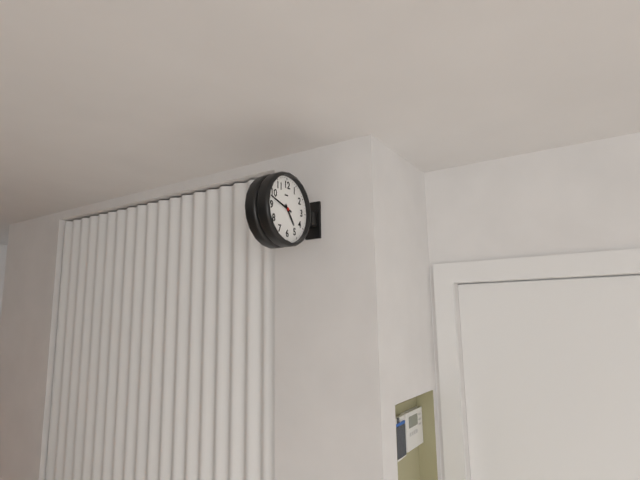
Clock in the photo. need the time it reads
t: 4:48
